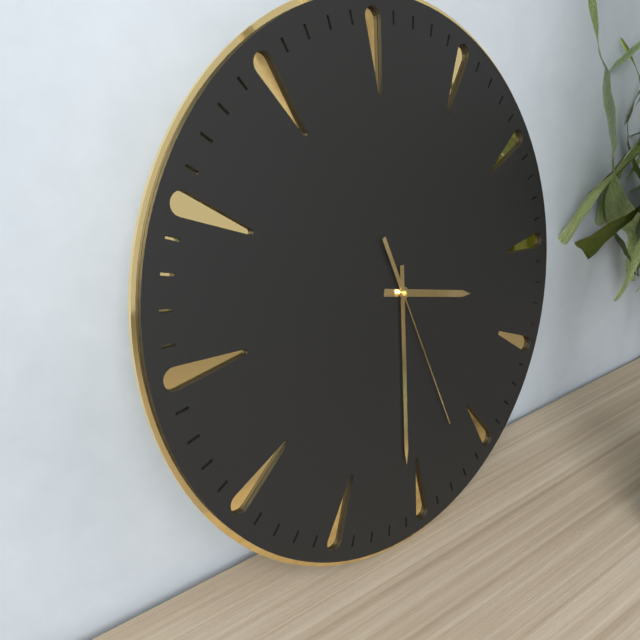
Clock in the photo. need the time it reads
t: 3:31:27
